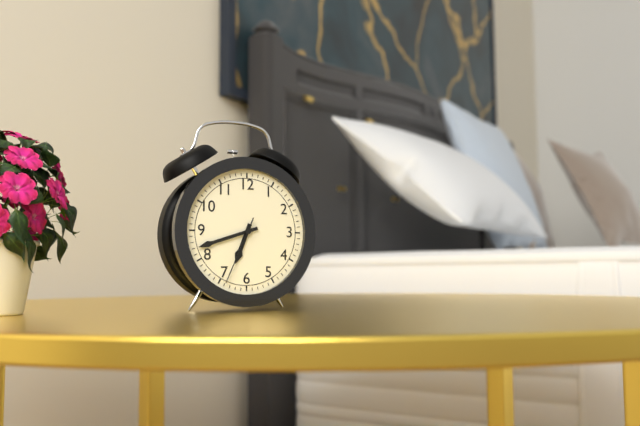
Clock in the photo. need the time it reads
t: 6:42:34
